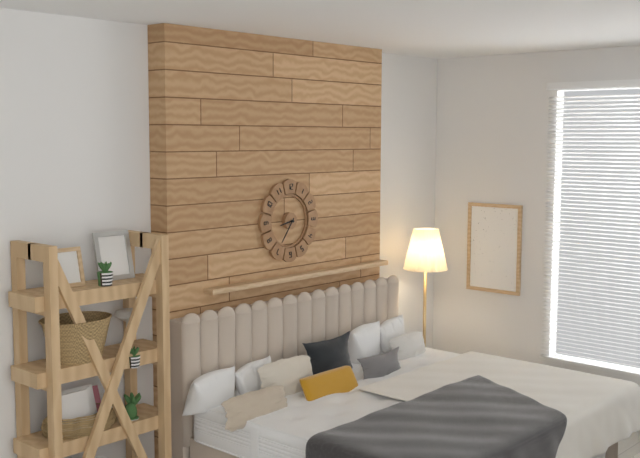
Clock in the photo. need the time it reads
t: 8:36
